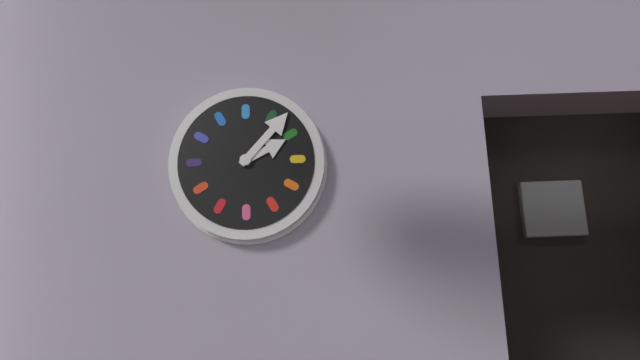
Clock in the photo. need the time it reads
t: 2:07
